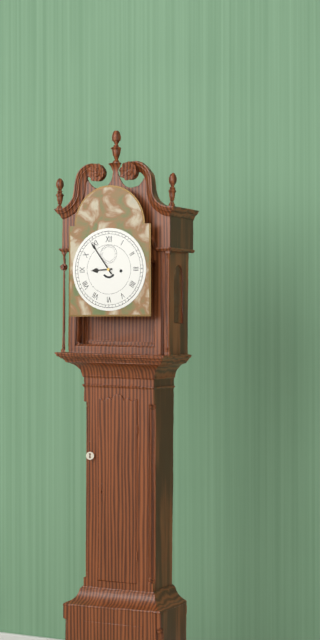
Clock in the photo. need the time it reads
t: 8:54
